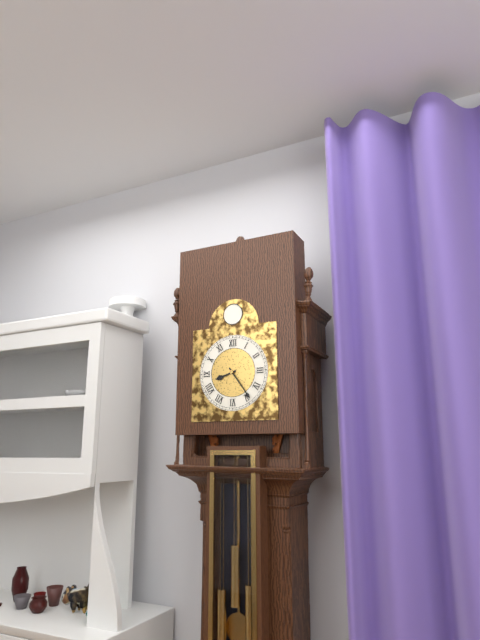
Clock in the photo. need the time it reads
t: 8:24
